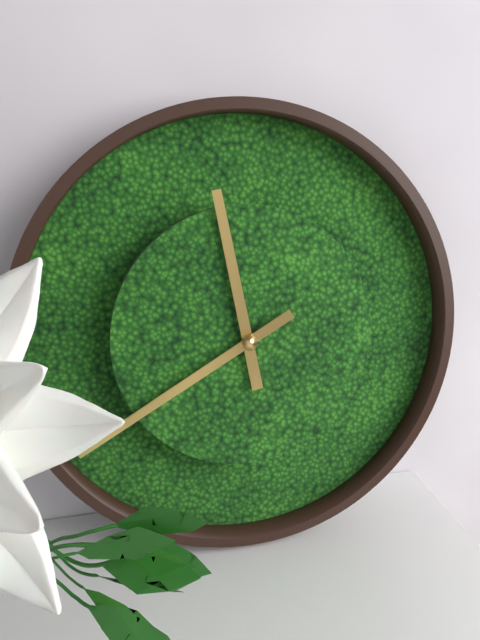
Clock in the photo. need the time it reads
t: 11:40
